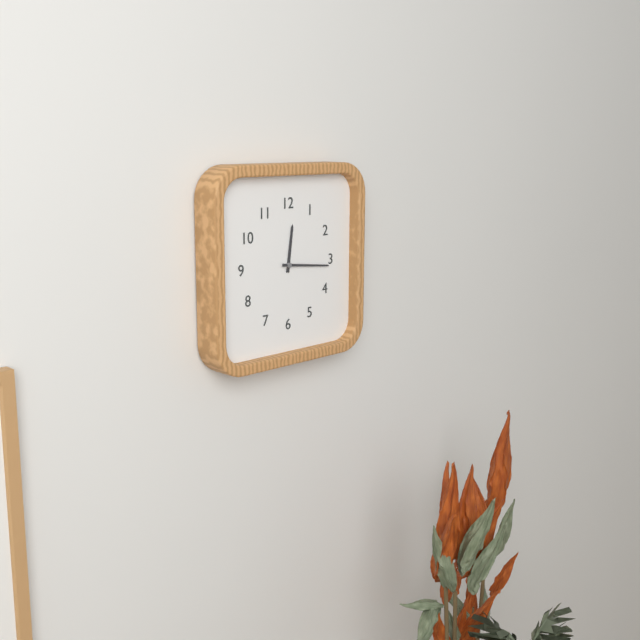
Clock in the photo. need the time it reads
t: 12:16
